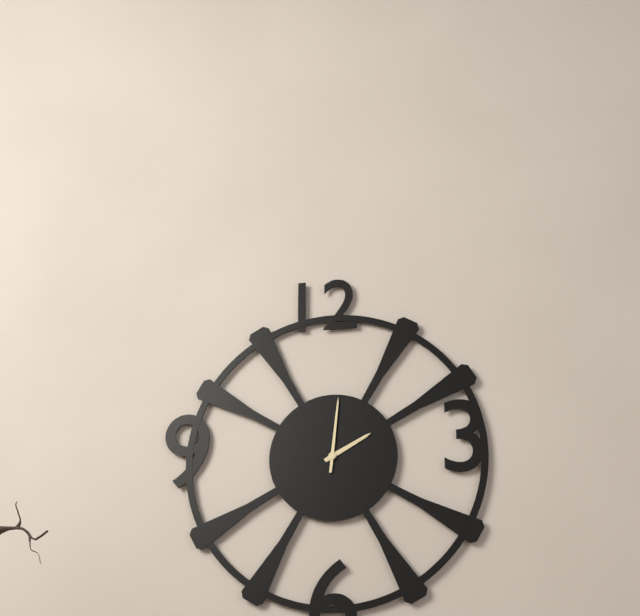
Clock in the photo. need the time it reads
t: 2:01
